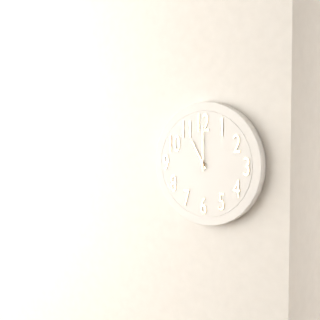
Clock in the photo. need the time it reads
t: 11:00
